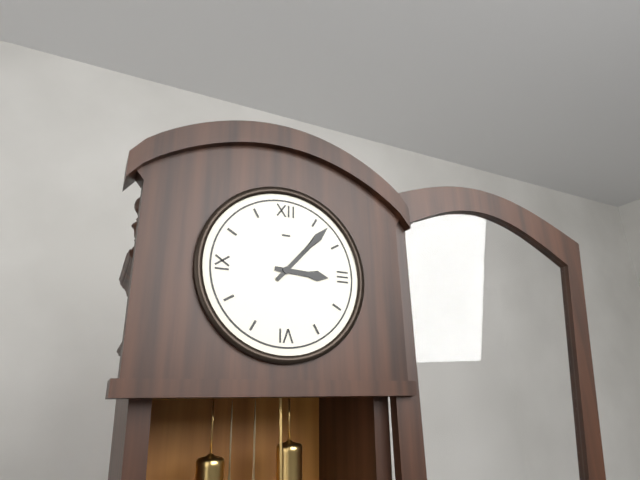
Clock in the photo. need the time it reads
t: 3:07
